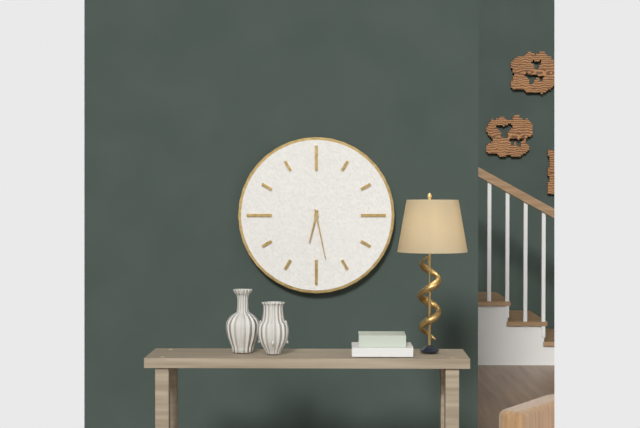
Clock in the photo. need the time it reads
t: 6:28
